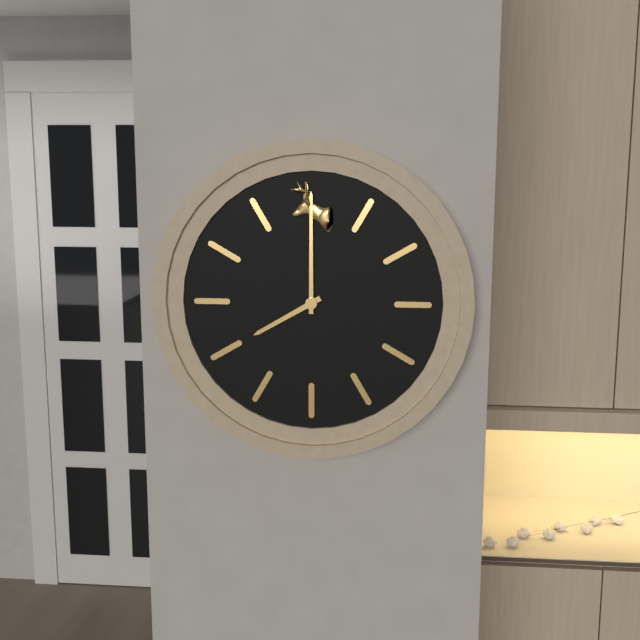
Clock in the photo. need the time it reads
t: 8:00
